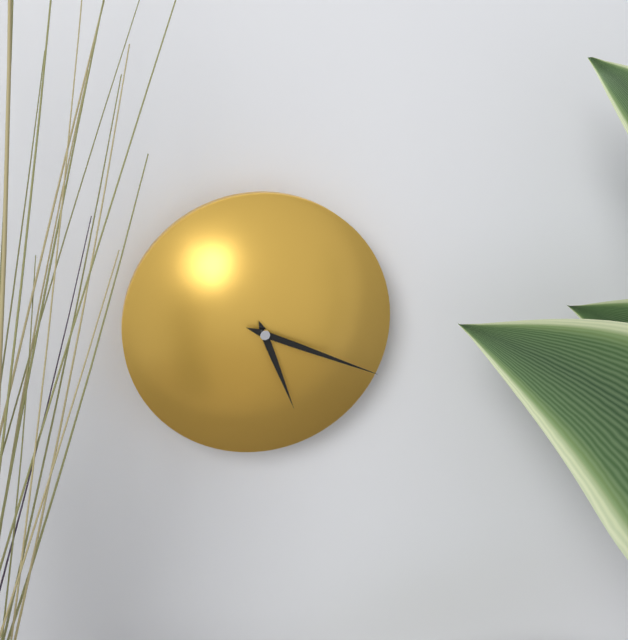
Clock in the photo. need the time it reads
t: 5:19
